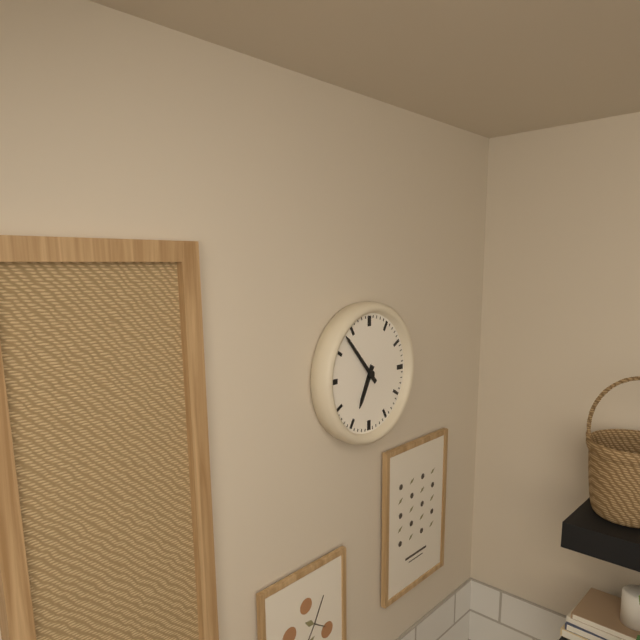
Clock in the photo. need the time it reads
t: 6:53
